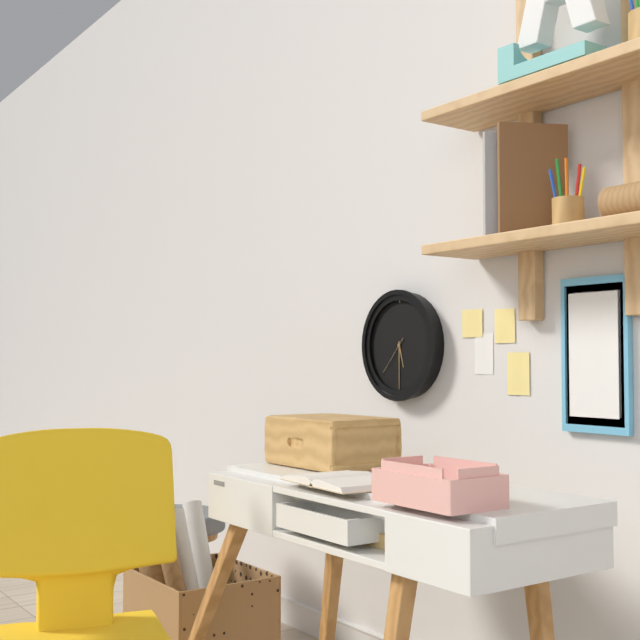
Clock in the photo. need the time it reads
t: 5:30
